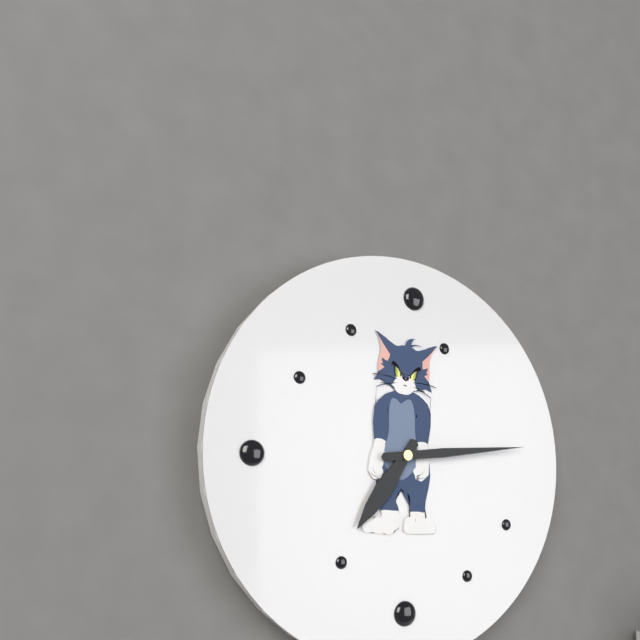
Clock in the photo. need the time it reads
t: 7:14
